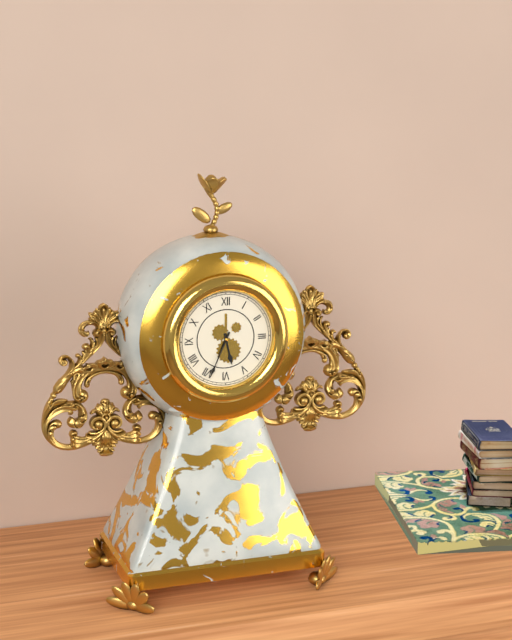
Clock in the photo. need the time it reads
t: 5:34
